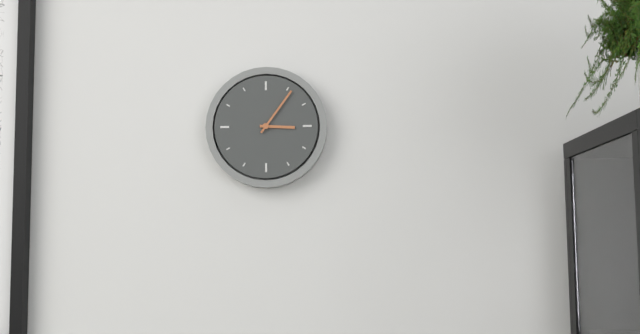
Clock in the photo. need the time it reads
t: 3:06
